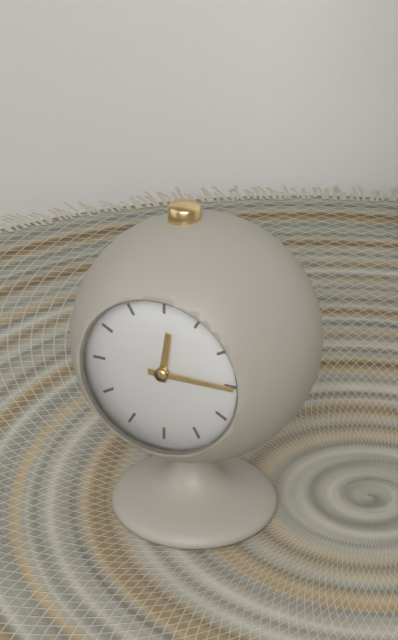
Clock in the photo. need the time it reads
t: 12:15
